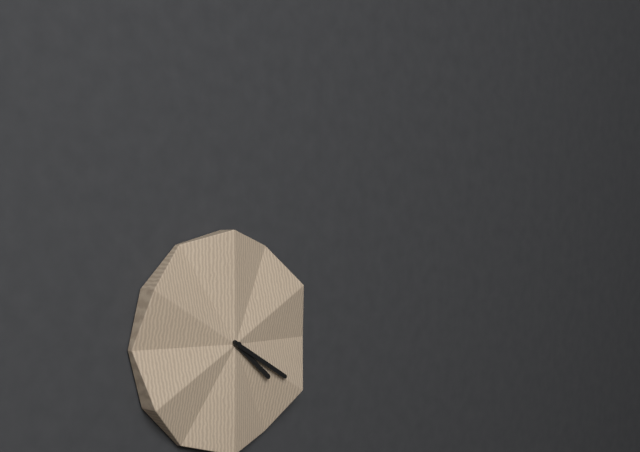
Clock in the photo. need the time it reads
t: 4:20
